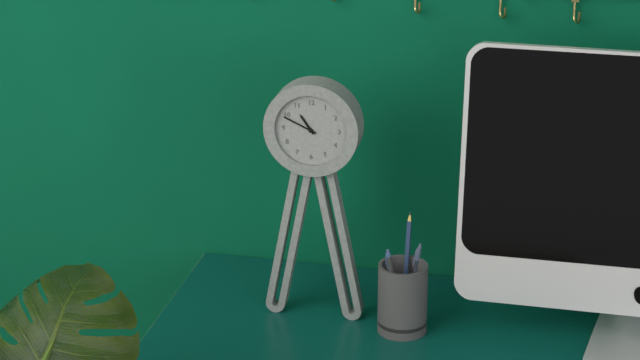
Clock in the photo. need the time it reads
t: 10:49
